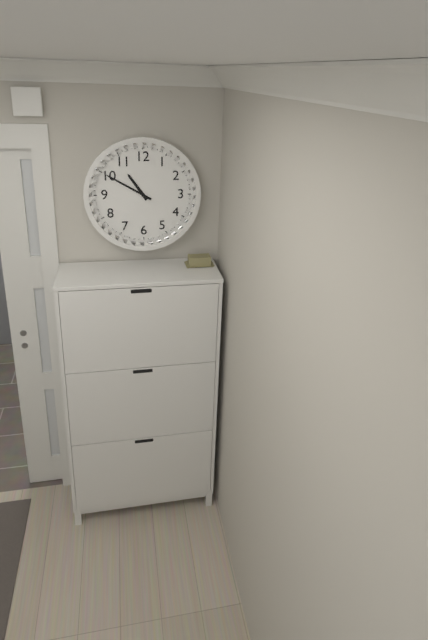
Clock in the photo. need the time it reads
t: 10:50
